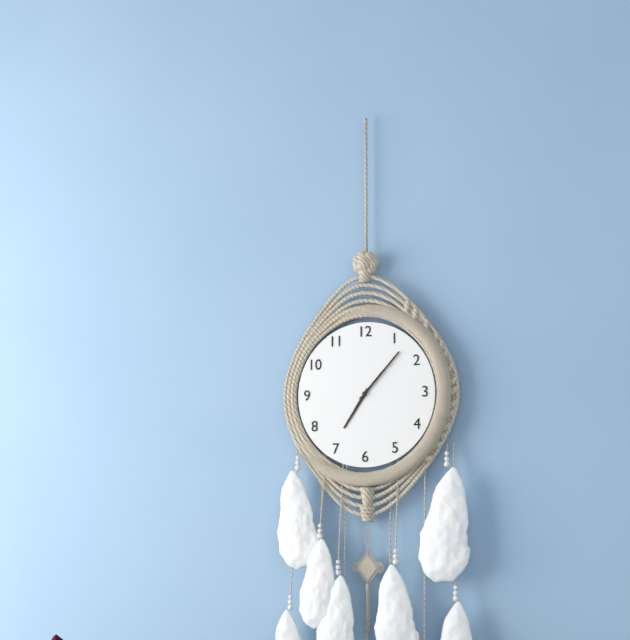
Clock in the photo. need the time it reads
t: 7:07
